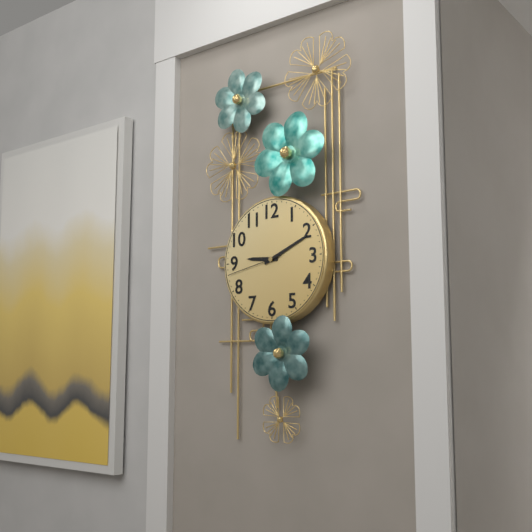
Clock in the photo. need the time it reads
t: 9:11:43
